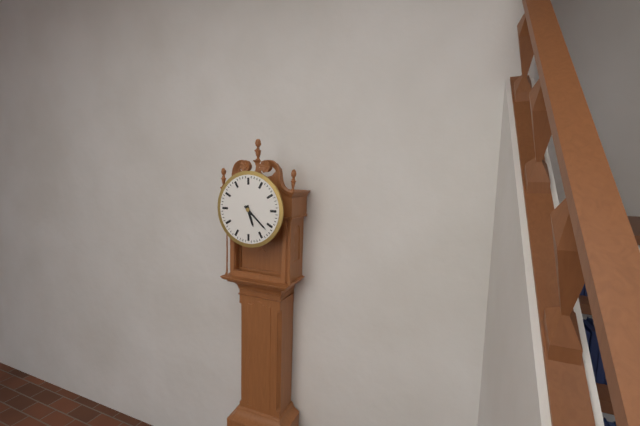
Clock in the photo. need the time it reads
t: 5:22
